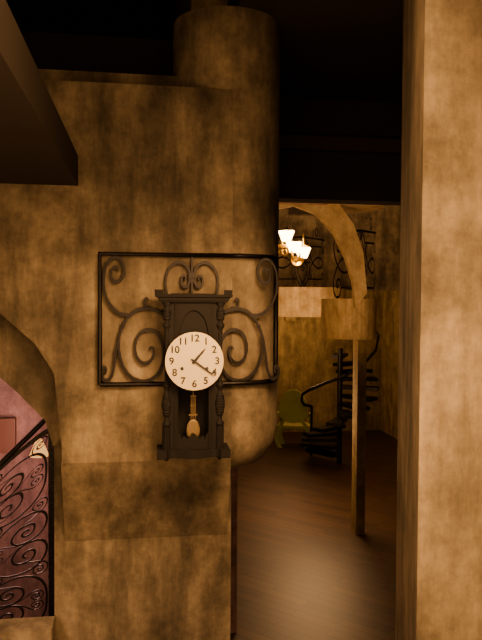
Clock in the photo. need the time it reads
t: 1:21
